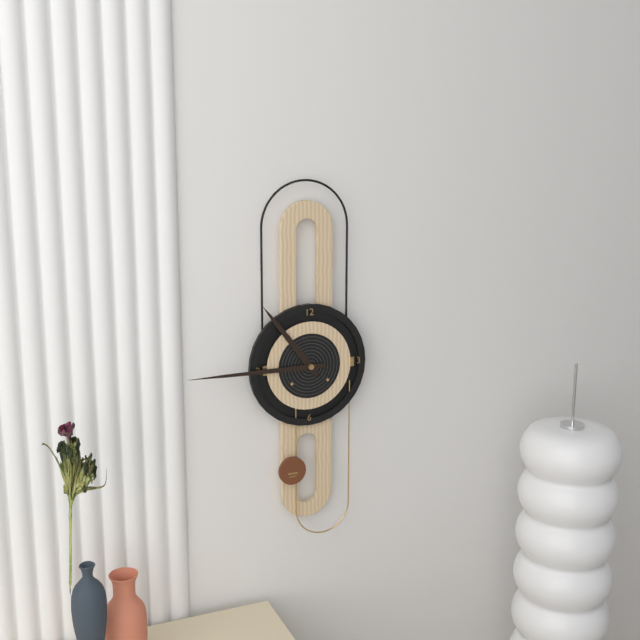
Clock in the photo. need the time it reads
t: 10:45
